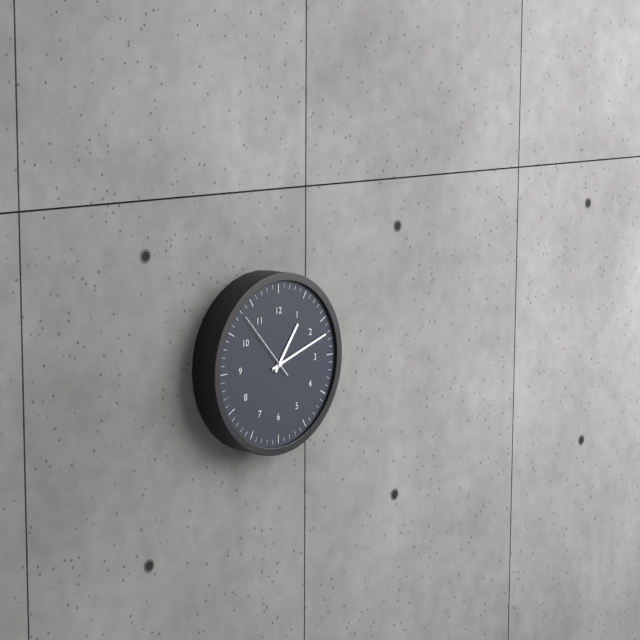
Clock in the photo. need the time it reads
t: 1:12:53
